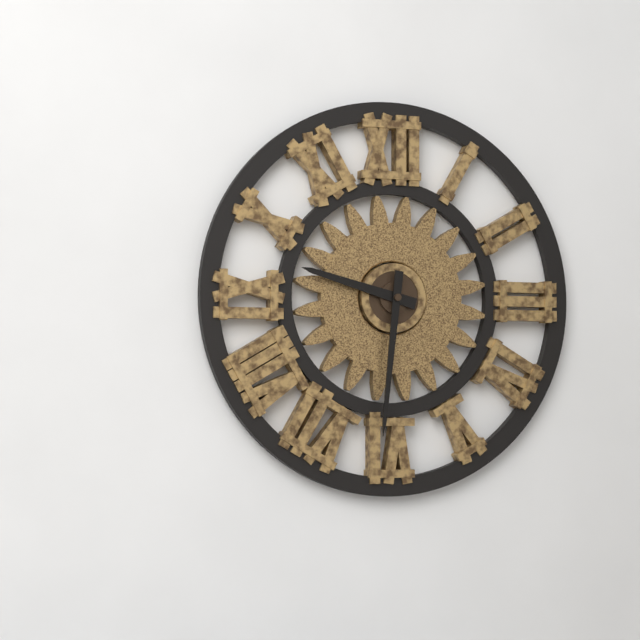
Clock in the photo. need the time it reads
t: 9:31
